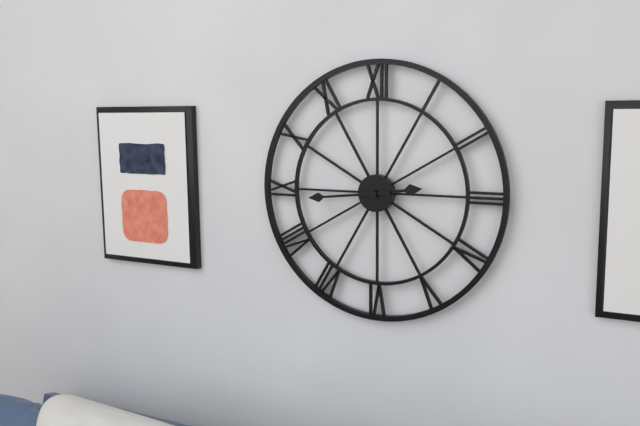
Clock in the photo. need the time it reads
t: 2:44
